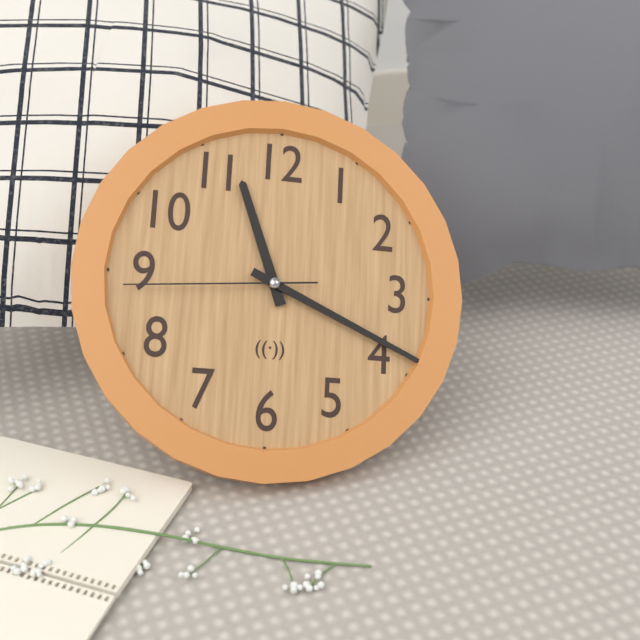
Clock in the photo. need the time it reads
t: 11:19:44
